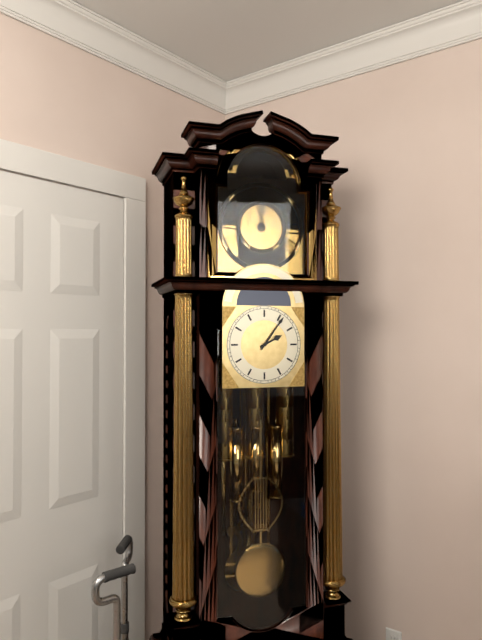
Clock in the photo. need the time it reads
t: 2:06
